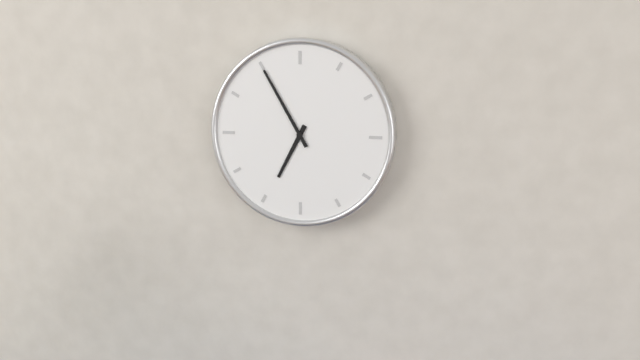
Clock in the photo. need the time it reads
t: 6:55
